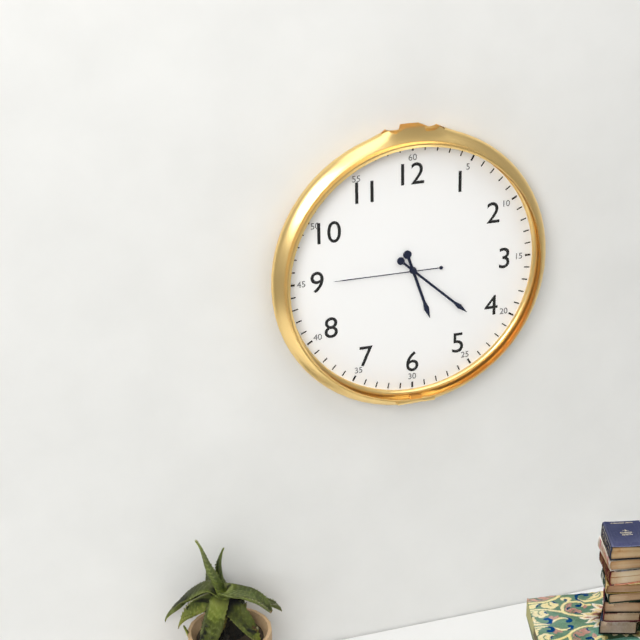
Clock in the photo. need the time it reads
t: 5:22:45
